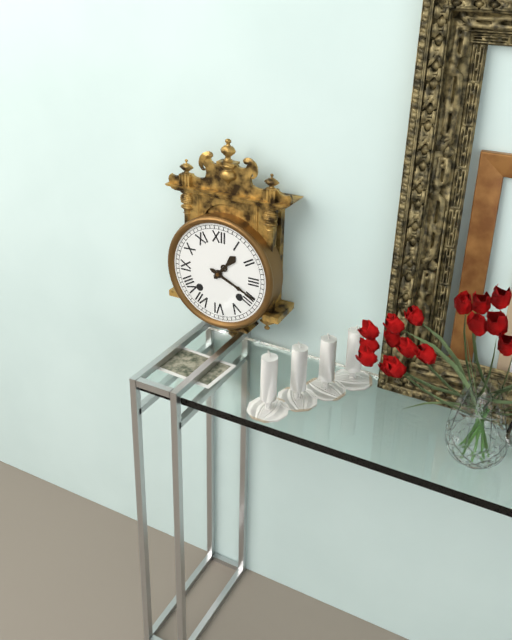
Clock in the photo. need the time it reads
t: 1:19
